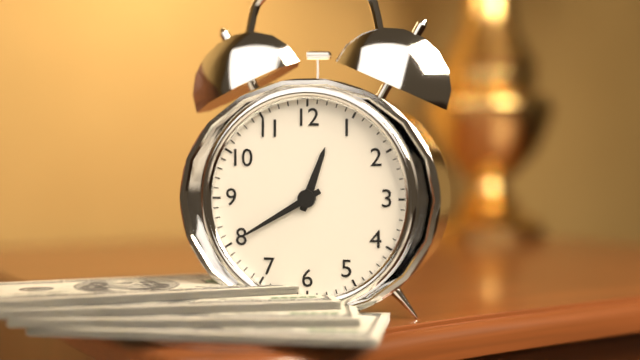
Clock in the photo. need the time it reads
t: 12:40
